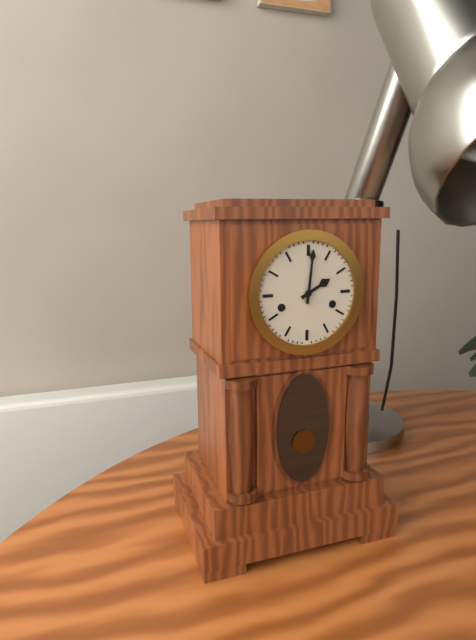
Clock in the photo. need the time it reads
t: 2:01
